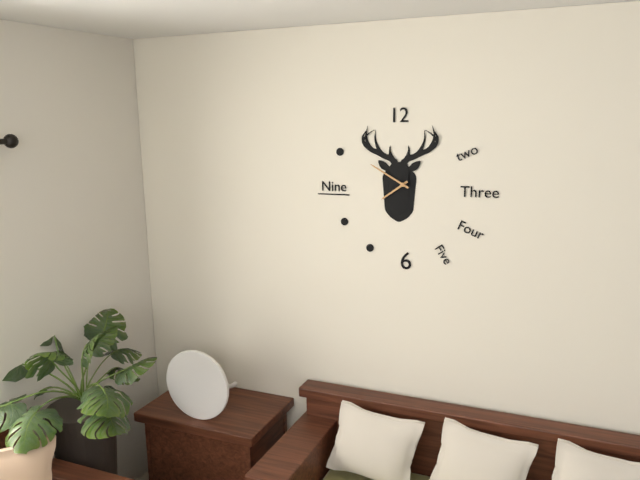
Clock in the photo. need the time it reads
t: 7:50
